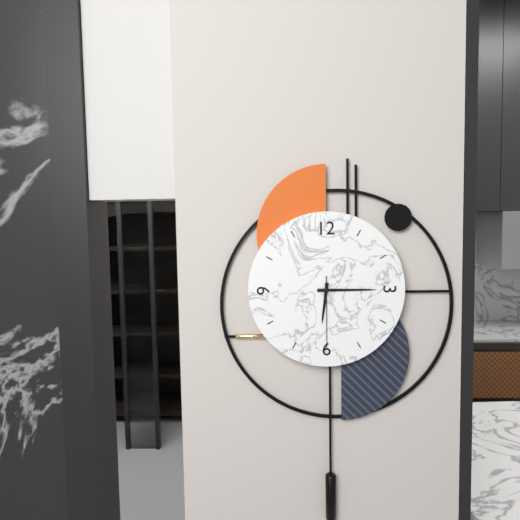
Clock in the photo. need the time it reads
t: 6:15:30
